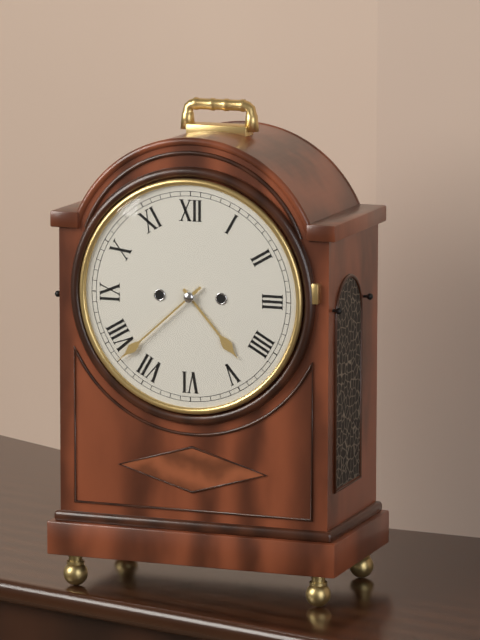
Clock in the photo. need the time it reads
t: 4:38
